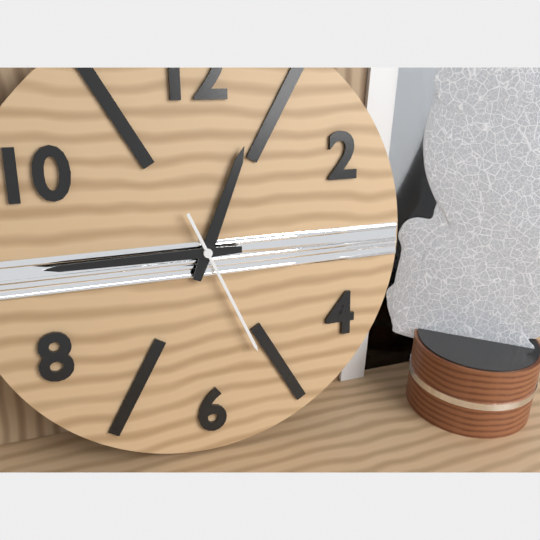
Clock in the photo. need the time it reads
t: 12:45:26
